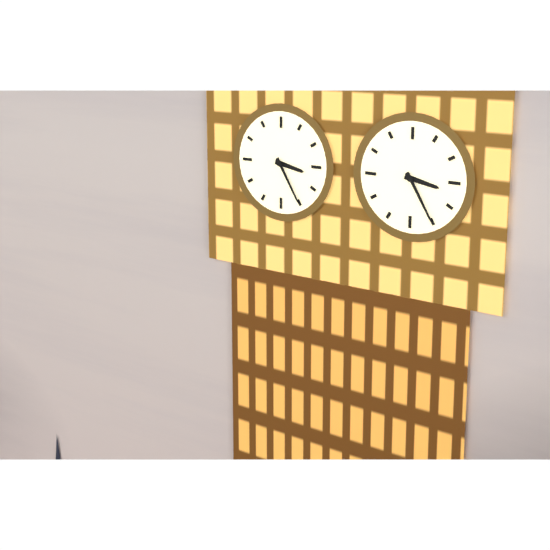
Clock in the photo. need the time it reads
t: 3:25
